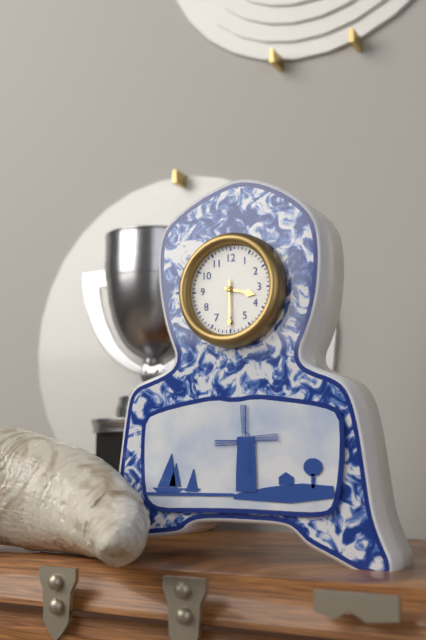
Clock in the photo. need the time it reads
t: 3:30
